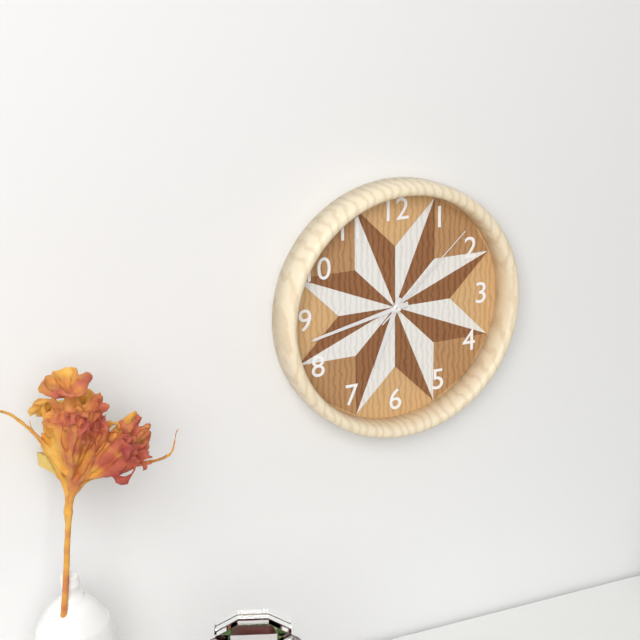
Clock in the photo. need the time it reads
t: 6:43:08
